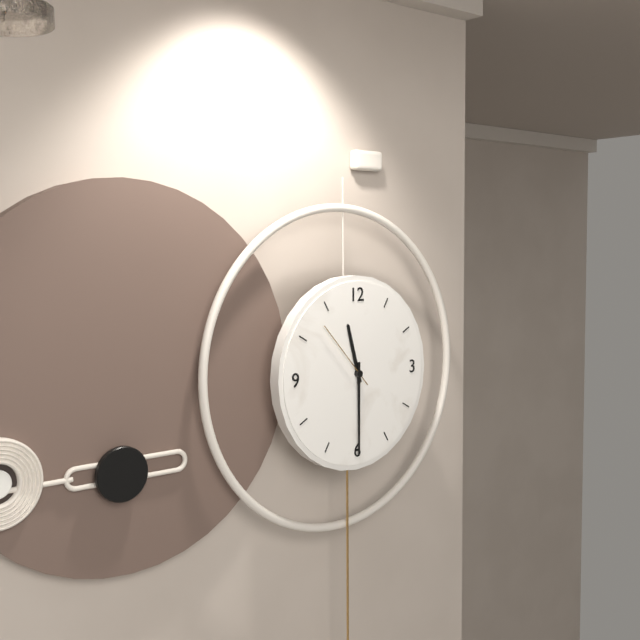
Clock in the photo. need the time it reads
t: 11:30:53
